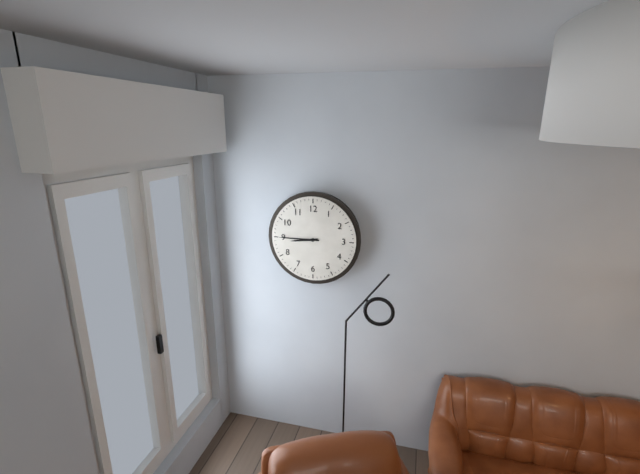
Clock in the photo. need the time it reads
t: 8:45
